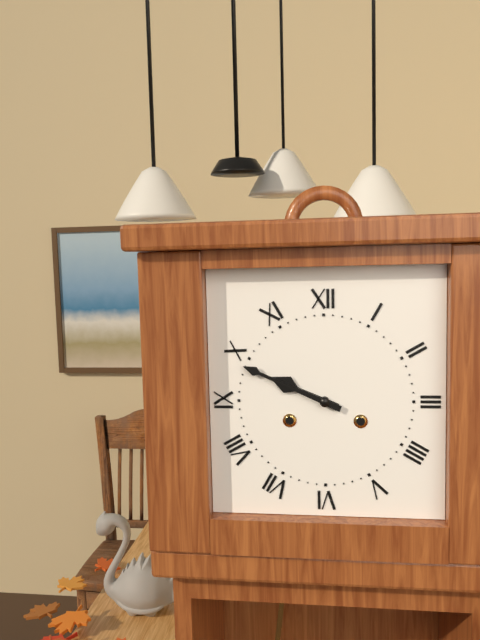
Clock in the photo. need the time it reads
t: 9:49
